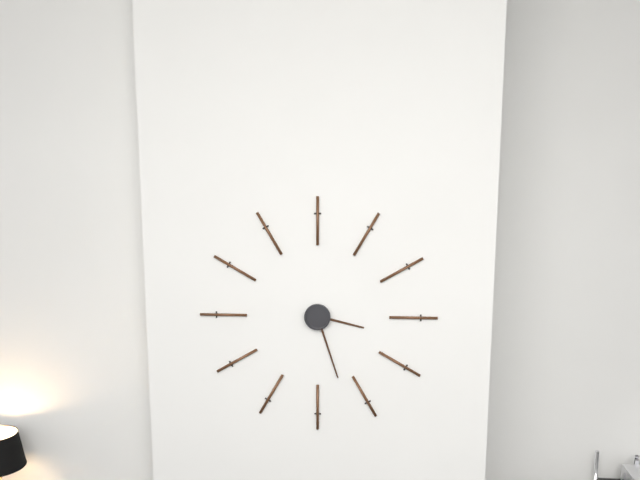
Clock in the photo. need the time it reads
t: 3:27
